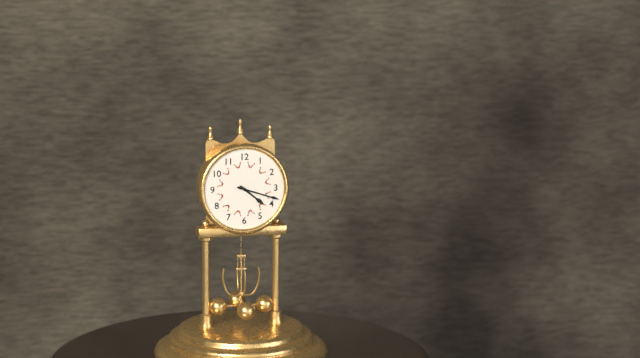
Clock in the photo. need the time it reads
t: 4:18
